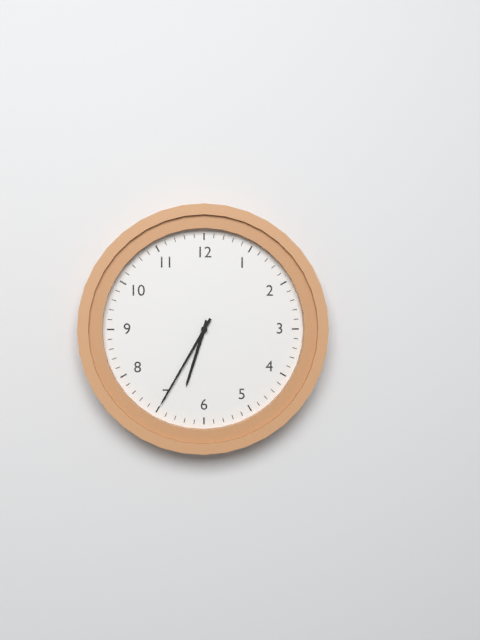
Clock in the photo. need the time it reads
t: 6:35
